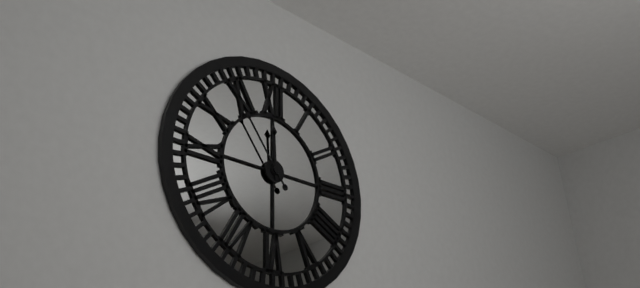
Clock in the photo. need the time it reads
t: 11:54
